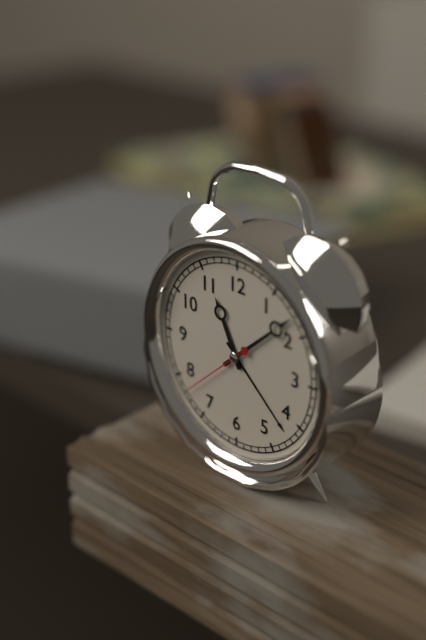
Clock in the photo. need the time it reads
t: 11:08:38
